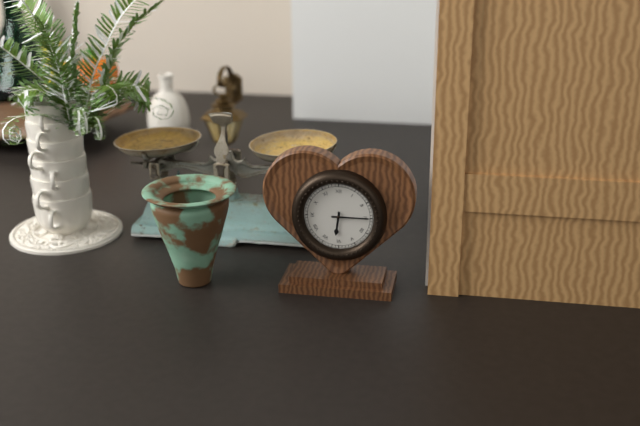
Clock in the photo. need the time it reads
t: 6:15
